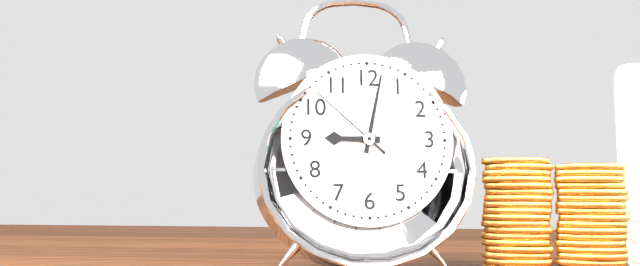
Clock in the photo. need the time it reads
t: 9:02:52
